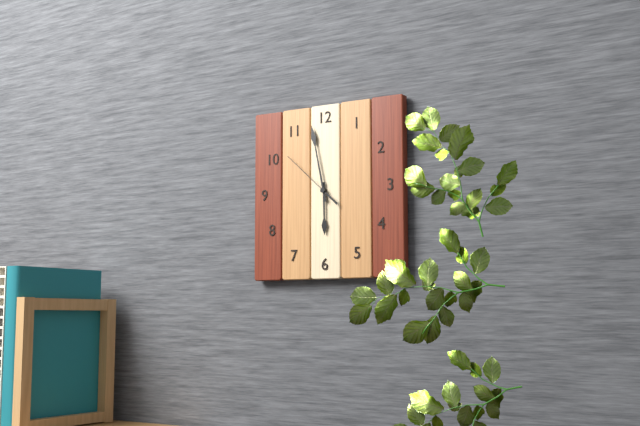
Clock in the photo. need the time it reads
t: 5:58:52
